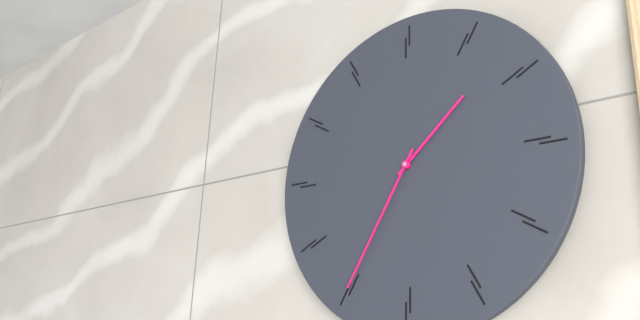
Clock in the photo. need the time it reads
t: 1:35
